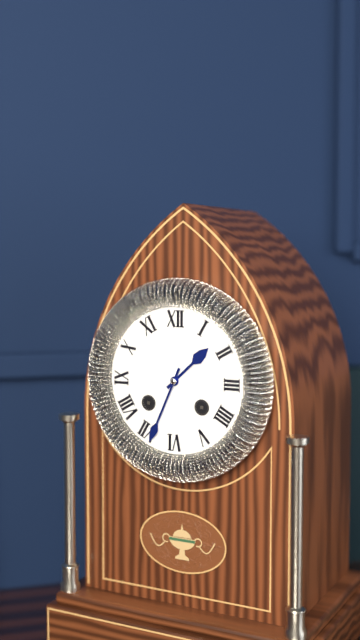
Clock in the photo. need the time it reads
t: 1:34
